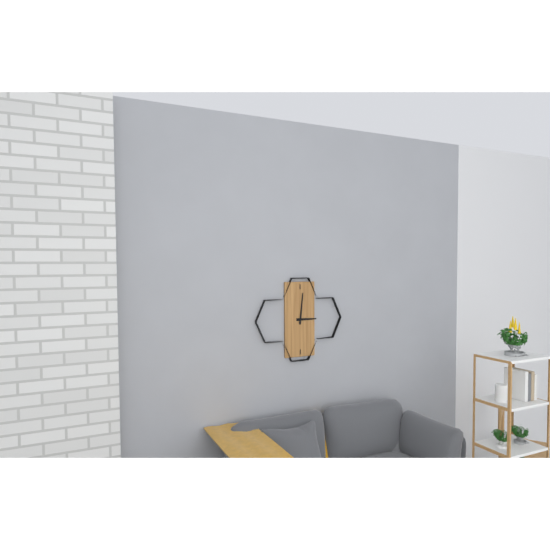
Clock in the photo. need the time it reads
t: 3:01
